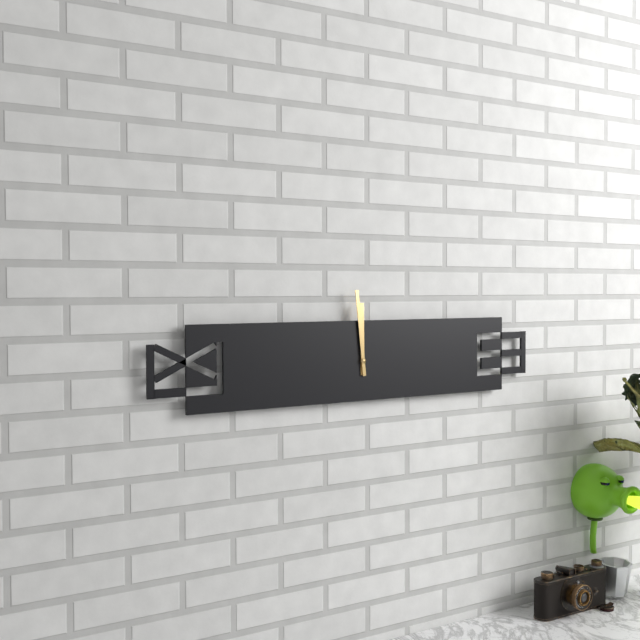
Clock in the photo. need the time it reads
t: 11:59
